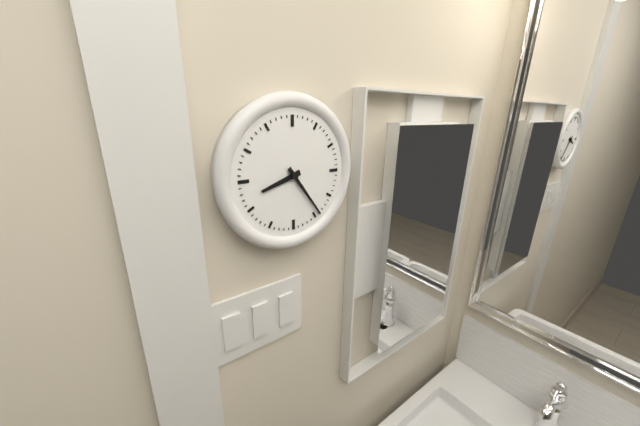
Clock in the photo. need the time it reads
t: 8:24
